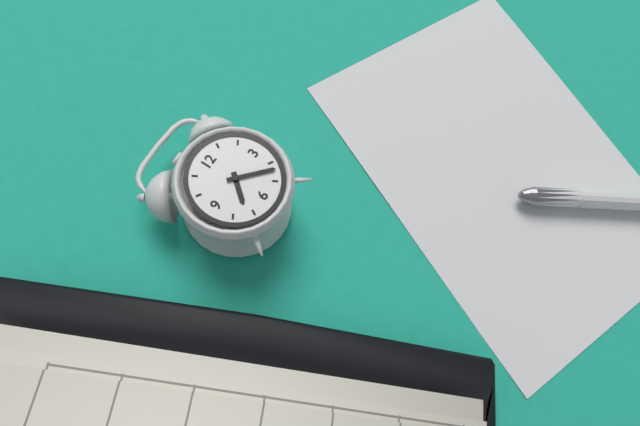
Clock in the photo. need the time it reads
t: 7:22
